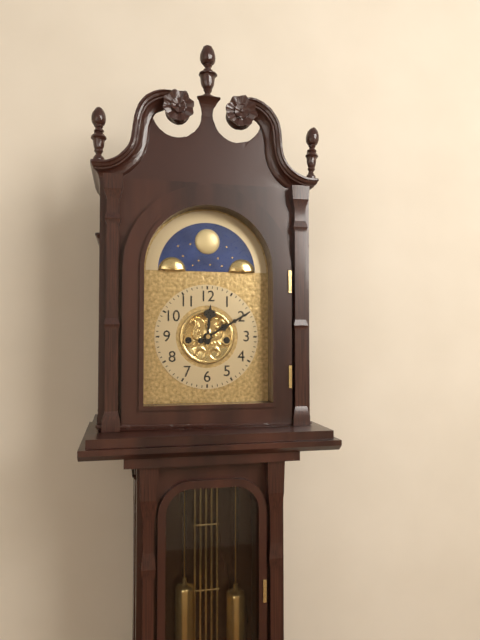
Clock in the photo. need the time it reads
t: 12:10
